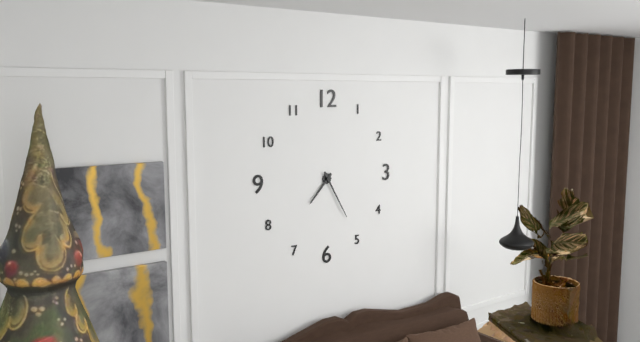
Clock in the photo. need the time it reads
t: 7:25
